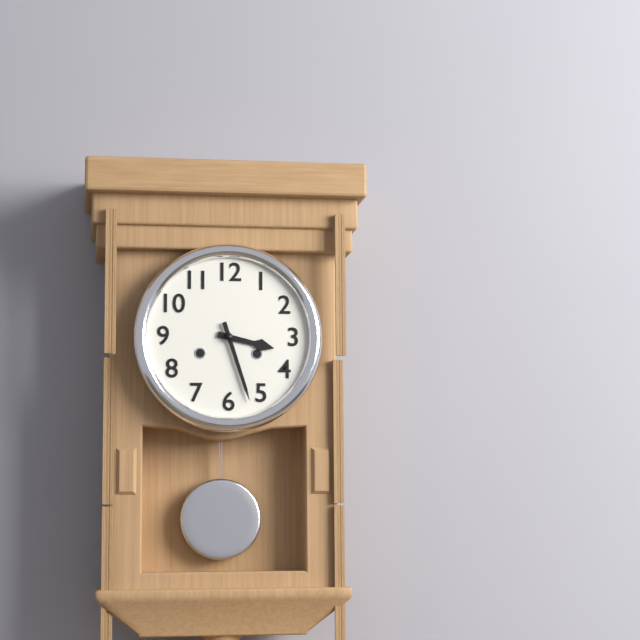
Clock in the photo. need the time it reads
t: 3:27
